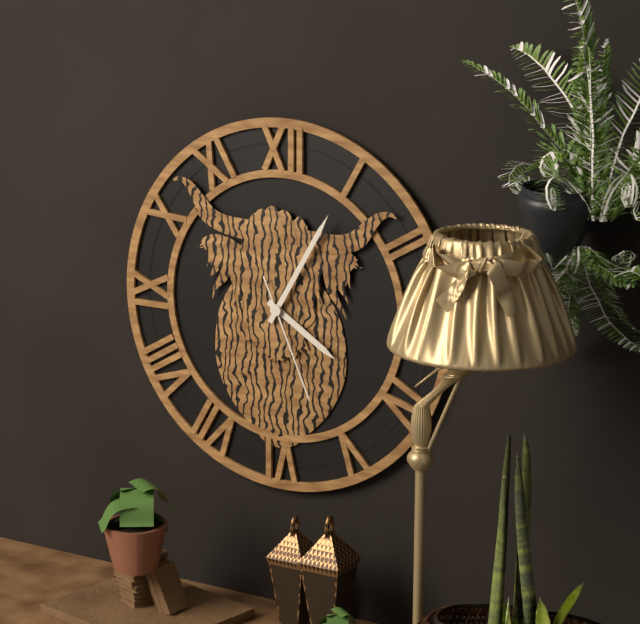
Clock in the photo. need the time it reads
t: 4:05:26
